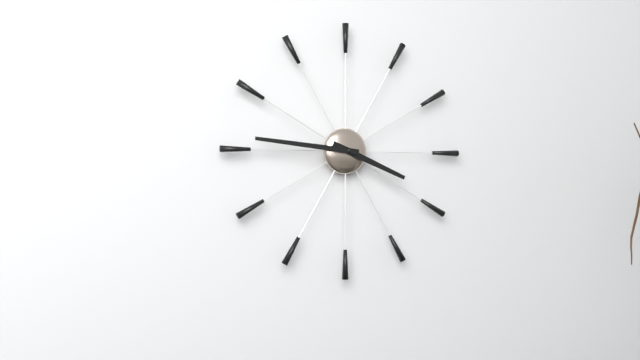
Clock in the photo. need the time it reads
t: 3:46
